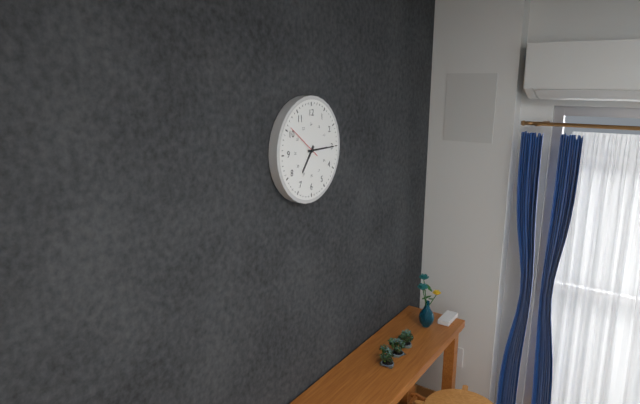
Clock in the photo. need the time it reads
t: 7:15
